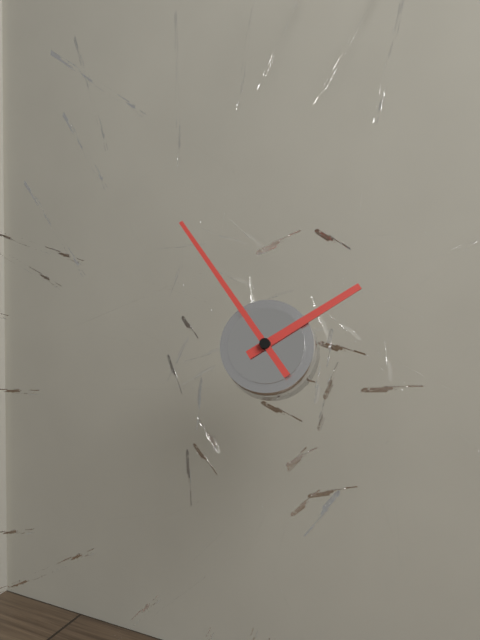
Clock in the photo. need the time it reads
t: 1:54
